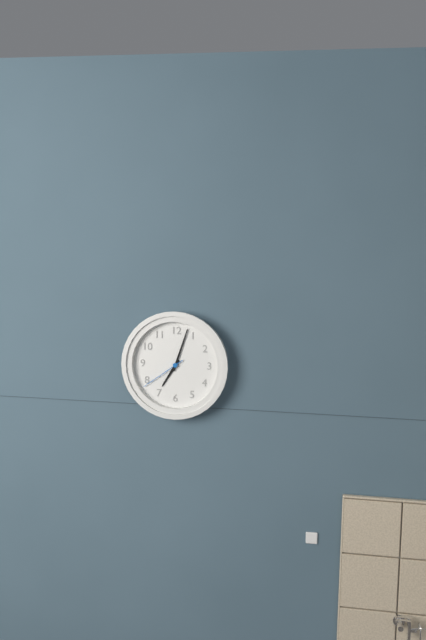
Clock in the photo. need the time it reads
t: 7:03
